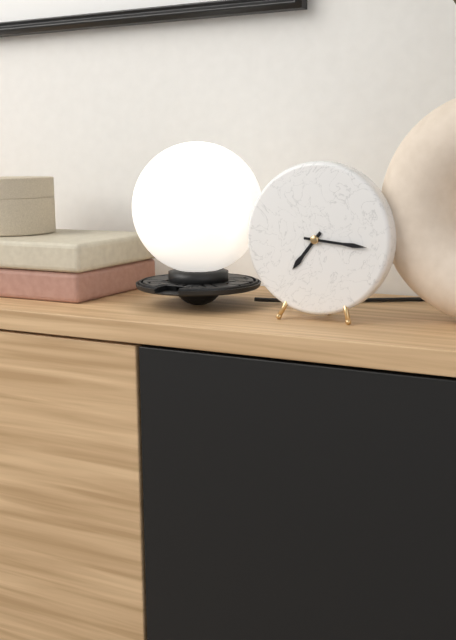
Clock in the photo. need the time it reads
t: 7:16
